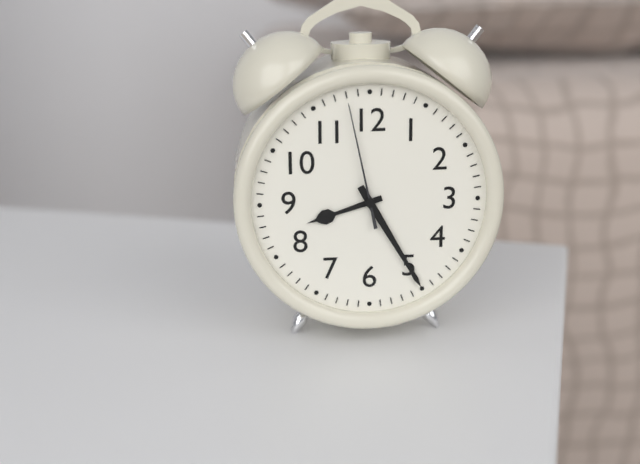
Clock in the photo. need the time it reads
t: 8:25:58
